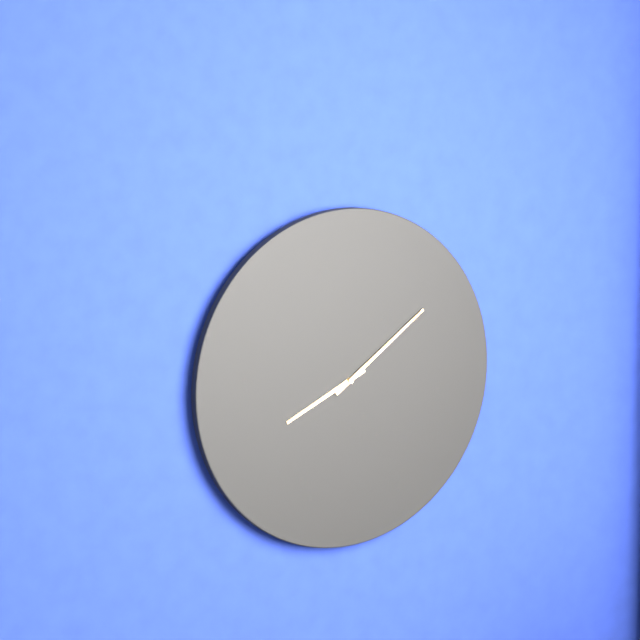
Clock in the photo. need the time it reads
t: 8:09
